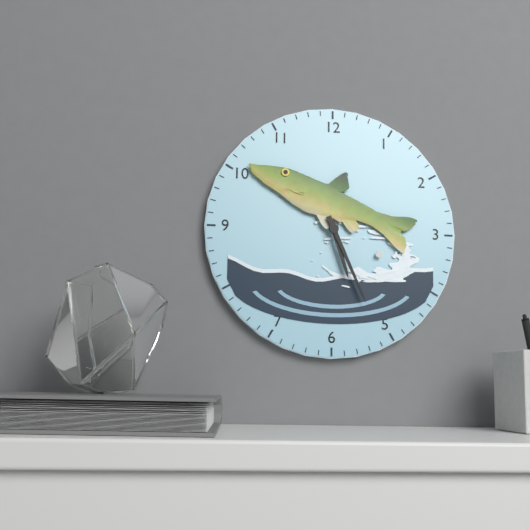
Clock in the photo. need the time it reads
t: 5:26
